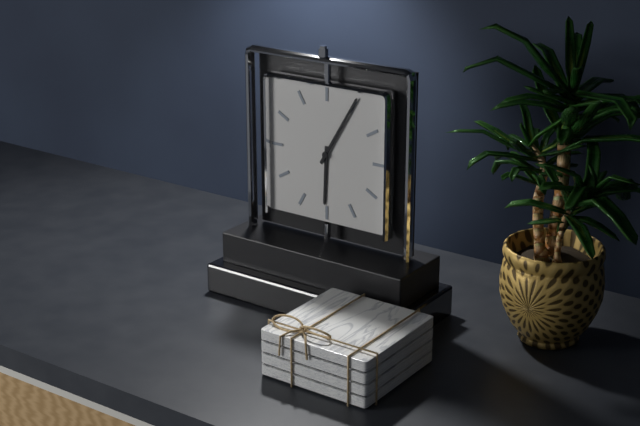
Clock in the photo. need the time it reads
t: 6:05
